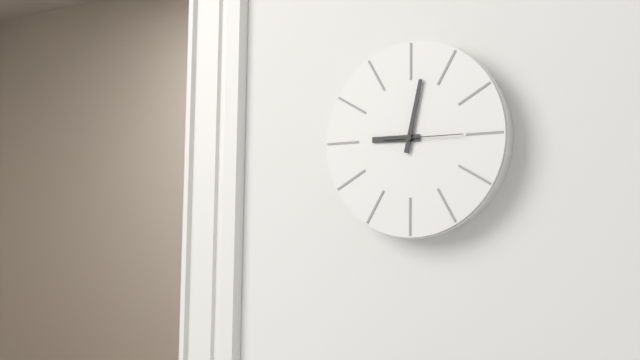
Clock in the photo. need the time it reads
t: 9:02:15
